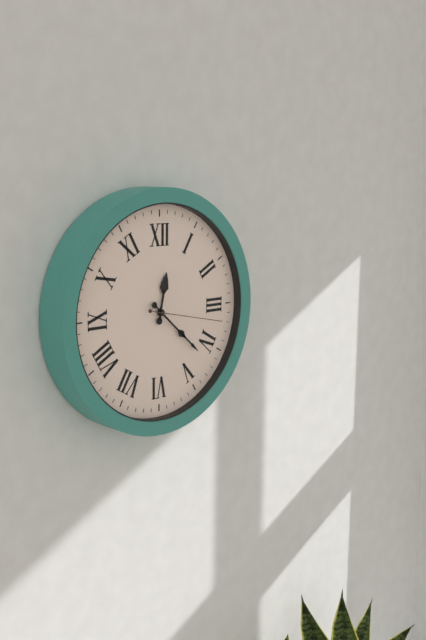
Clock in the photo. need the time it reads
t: 12:22:17
